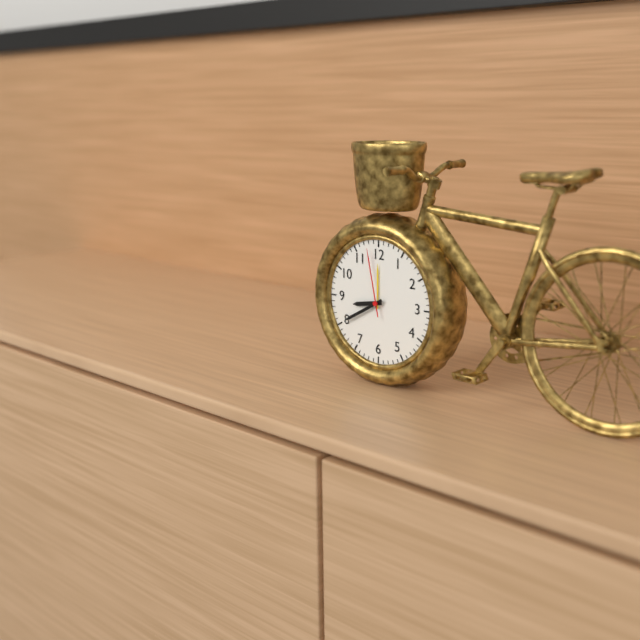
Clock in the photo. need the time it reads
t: 8:40:58
